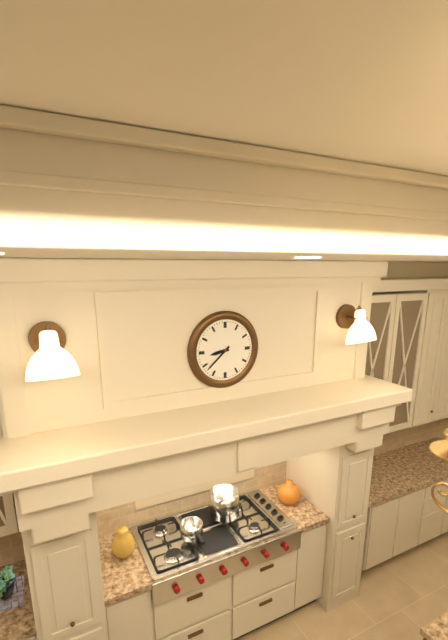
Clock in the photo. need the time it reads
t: 8:38
